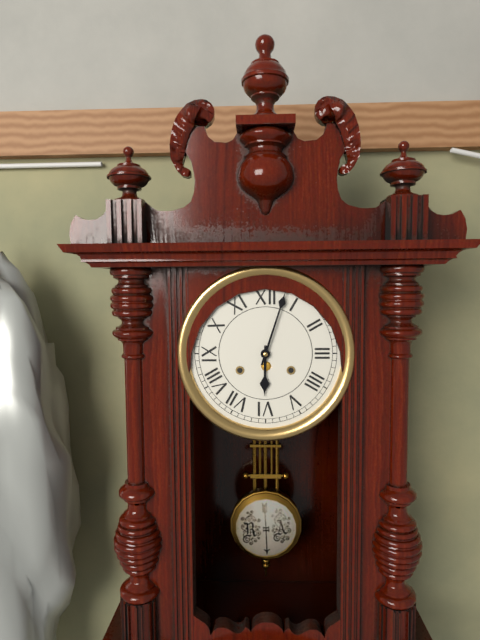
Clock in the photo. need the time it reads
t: 6:03
